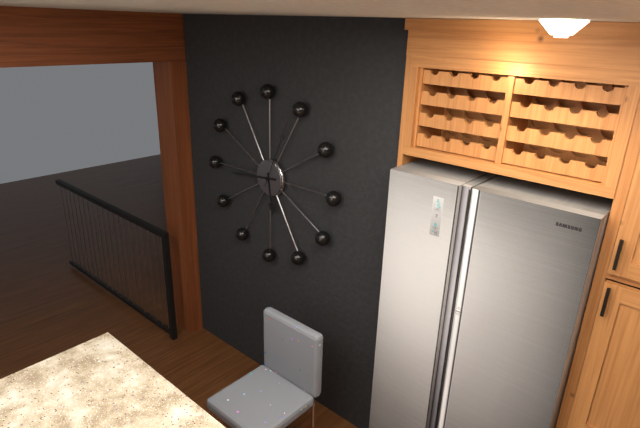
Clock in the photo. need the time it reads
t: 5:44:04
